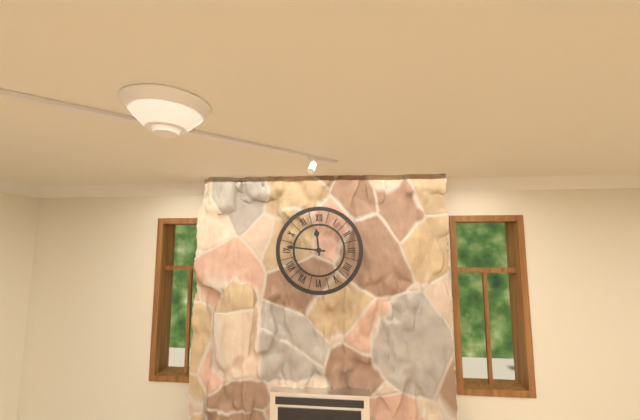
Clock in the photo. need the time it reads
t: 11:46
